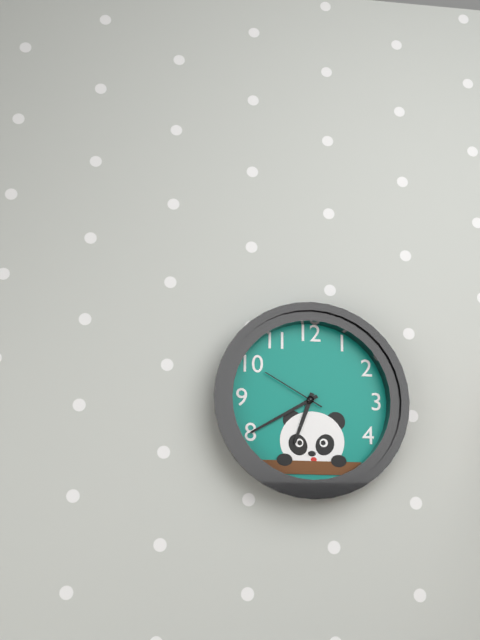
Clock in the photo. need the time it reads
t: 6:40:50
